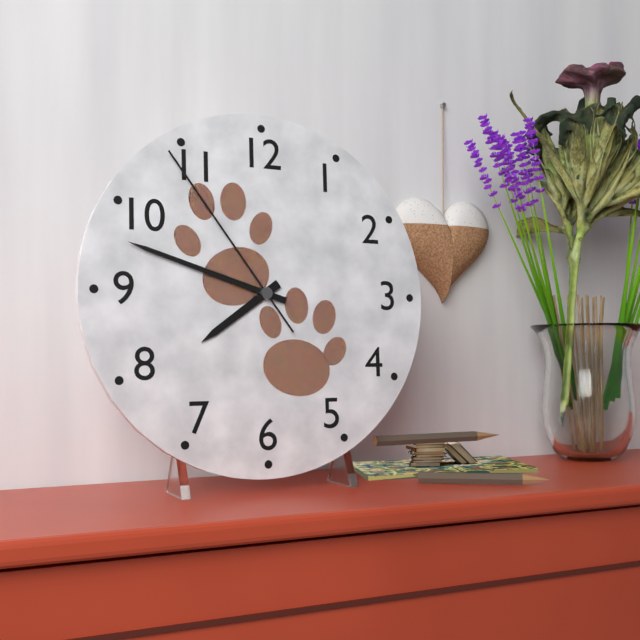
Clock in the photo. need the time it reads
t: 7:48:54
